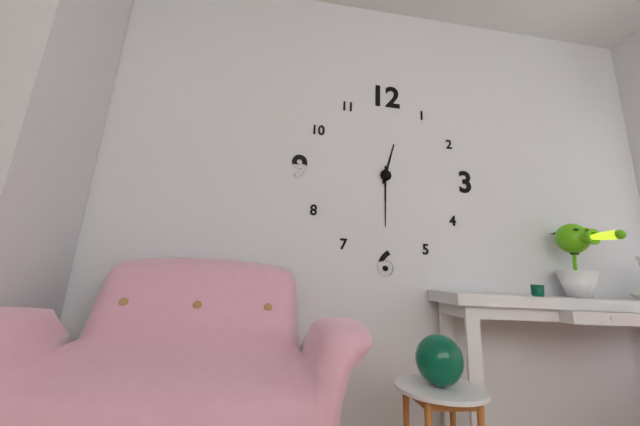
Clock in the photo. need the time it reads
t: 12:30
